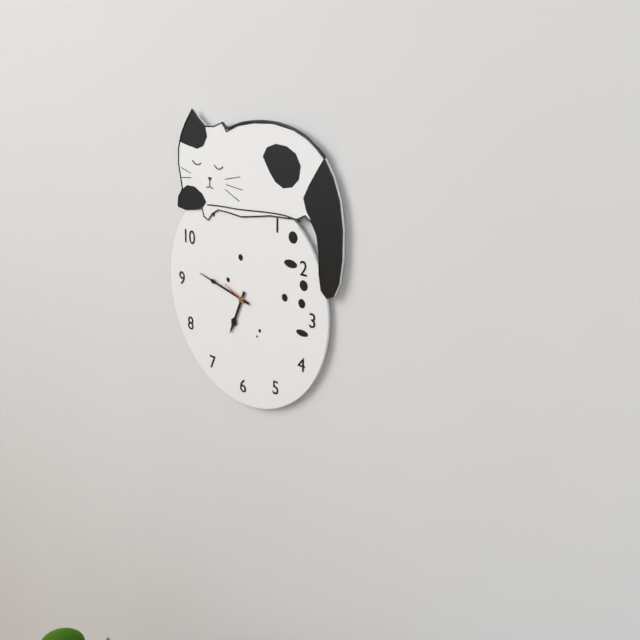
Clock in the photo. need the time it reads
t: 6:47
